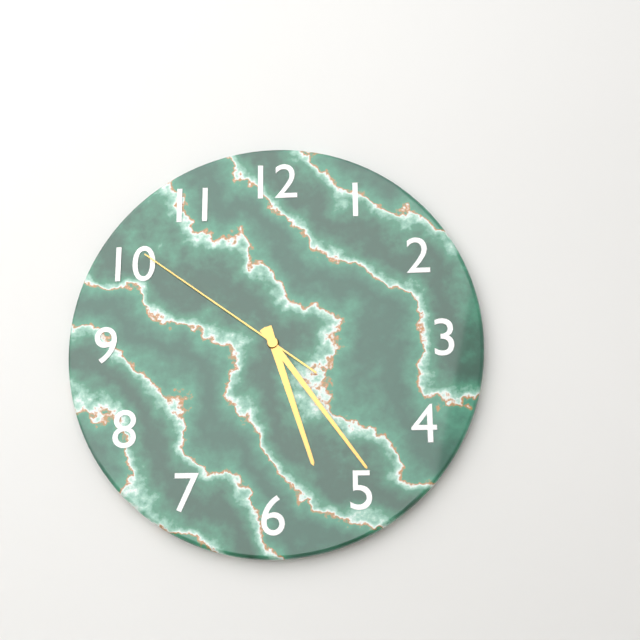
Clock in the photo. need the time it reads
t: 5:24:51
